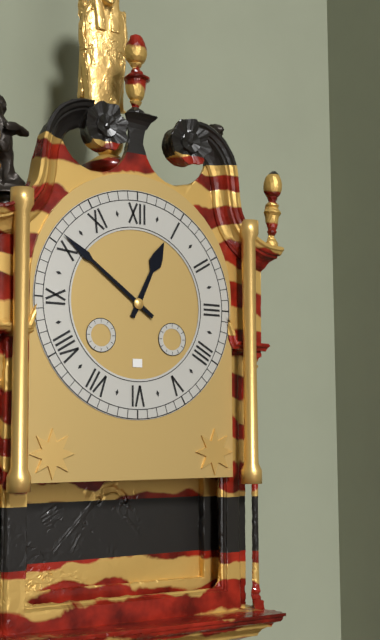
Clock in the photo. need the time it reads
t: 12:51
